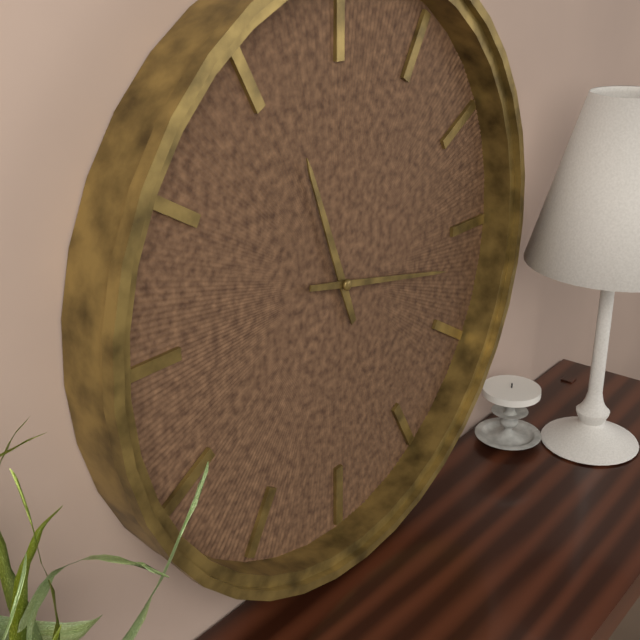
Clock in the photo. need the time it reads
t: 11:17
